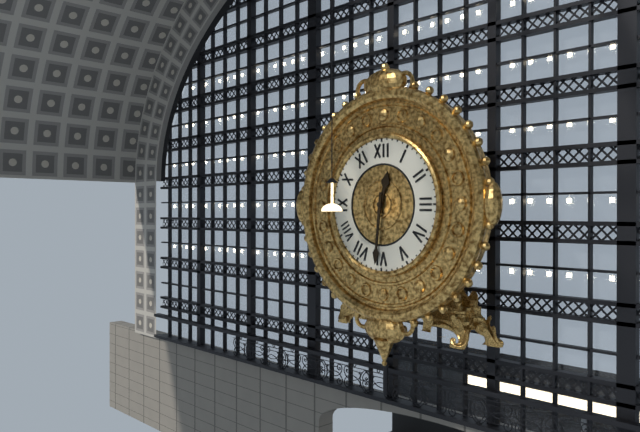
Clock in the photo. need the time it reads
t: 12:31
